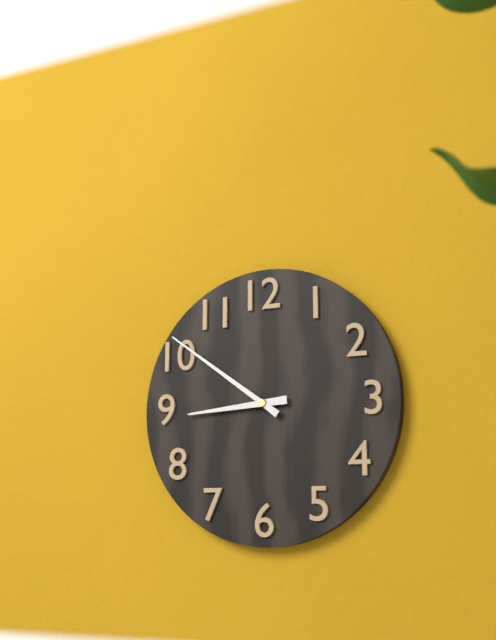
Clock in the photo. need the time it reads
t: 8:51
